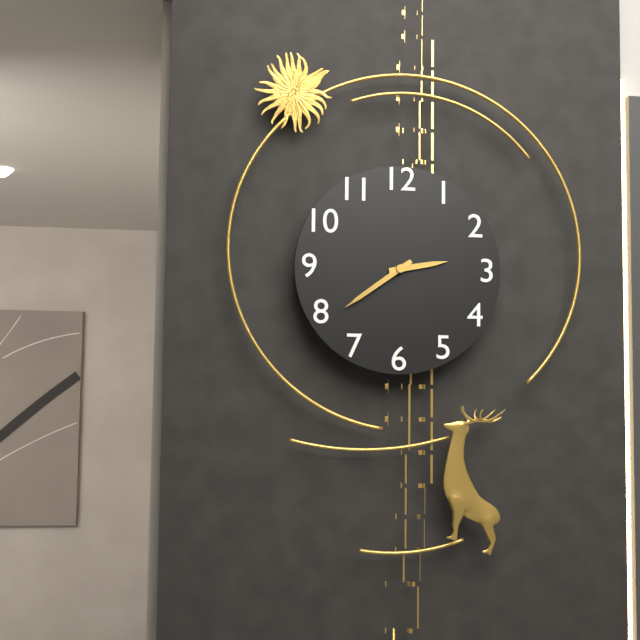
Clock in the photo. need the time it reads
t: 2:39
